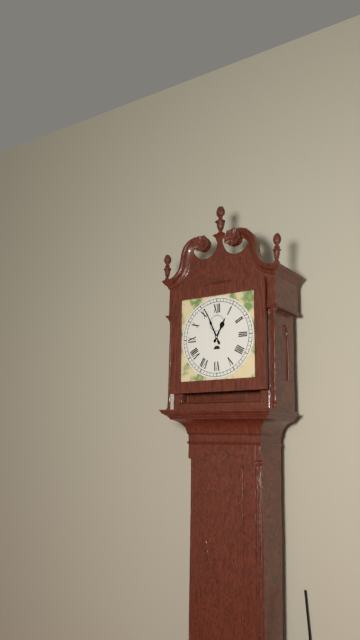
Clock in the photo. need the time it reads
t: 12:56
